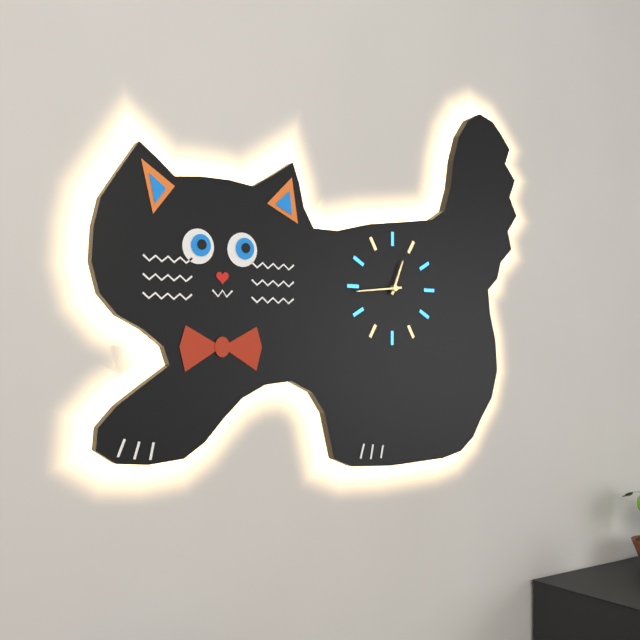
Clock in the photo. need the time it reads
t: 12:44
